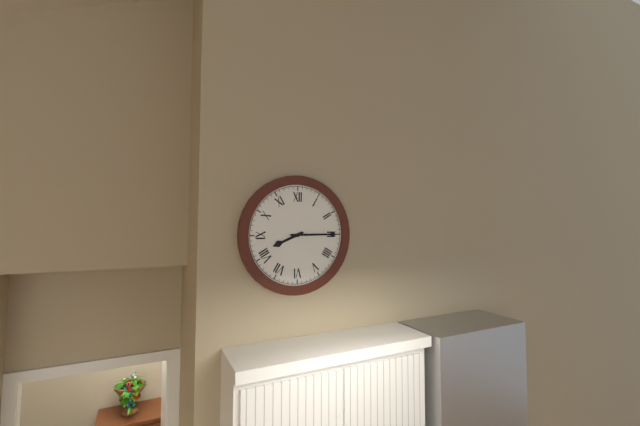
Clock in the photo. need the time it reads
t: 8:15
